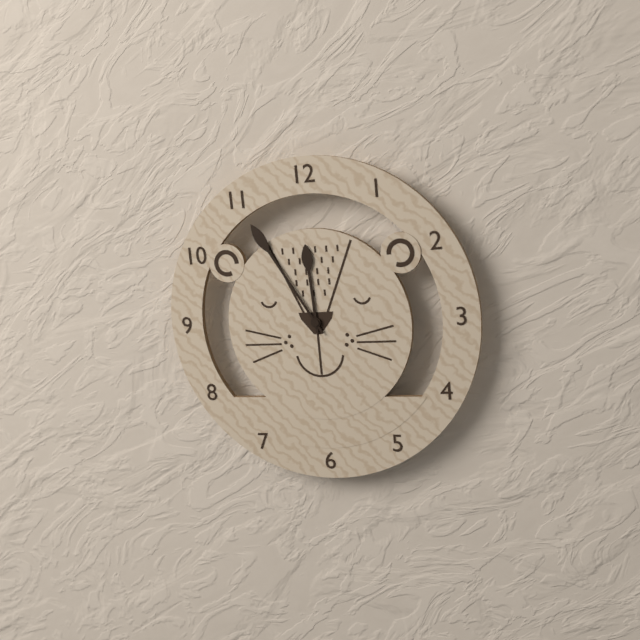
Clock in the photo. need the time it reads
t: 11:55
